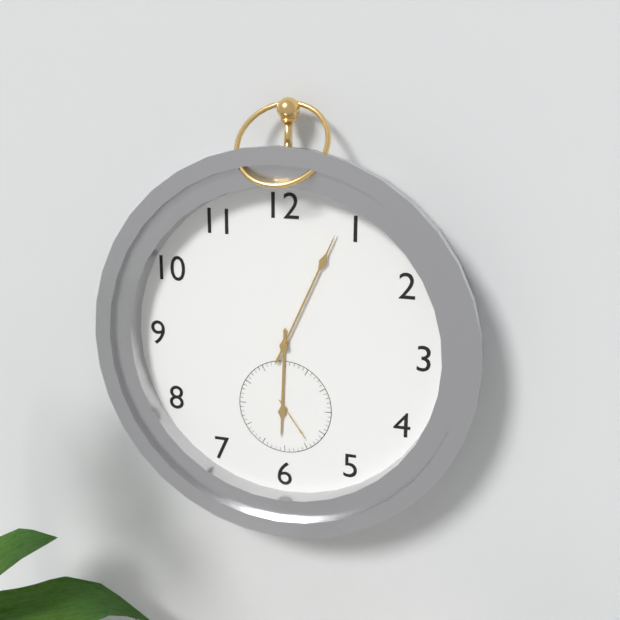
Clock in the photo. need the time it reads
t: 6:04
